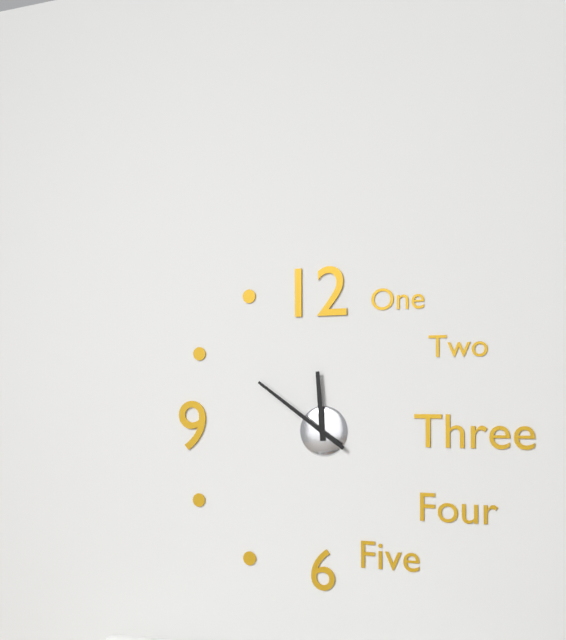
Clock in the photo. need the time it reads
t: 11:51
